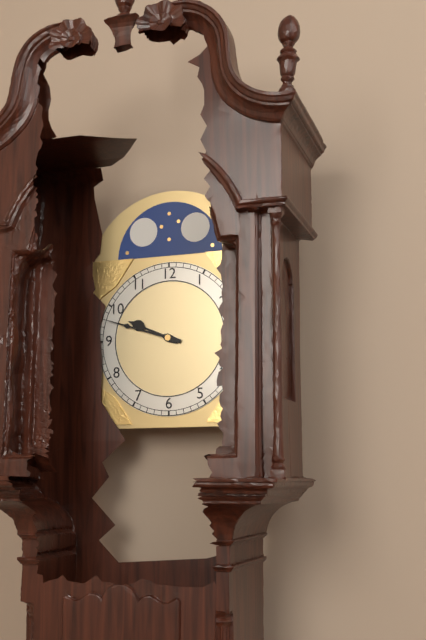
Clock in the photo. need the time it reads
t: 9:48
